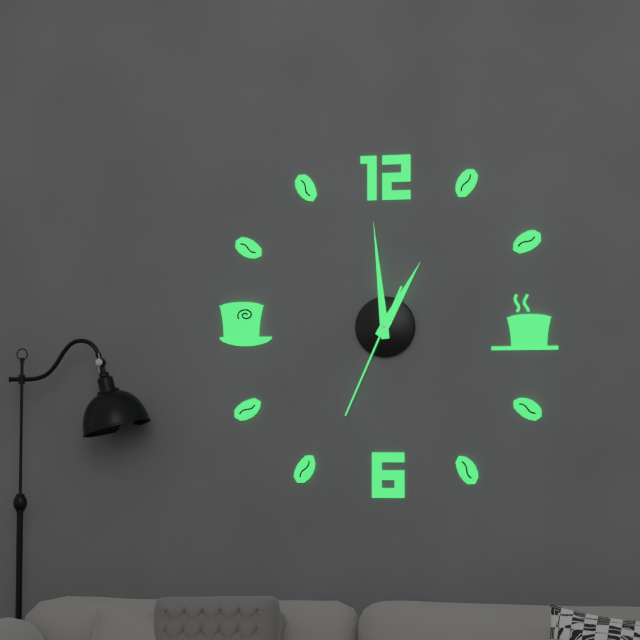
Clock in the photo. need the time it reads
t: 12:59:34
